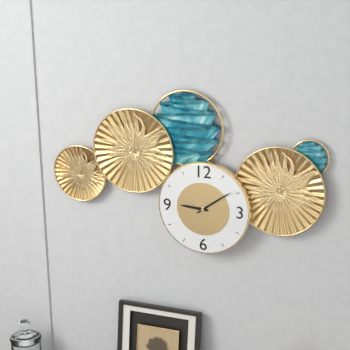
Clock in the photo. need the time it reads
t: 9:09
